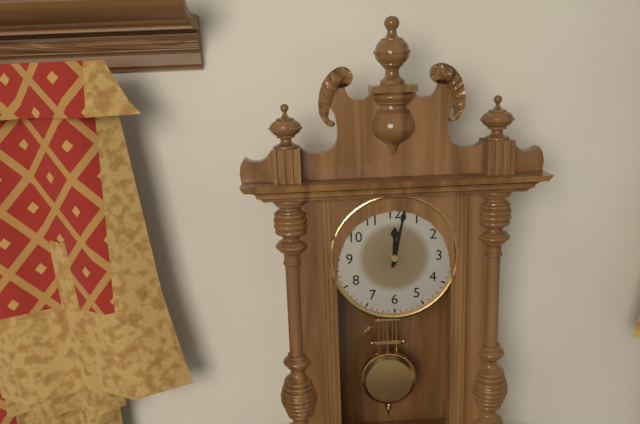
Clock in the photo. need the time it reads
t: 12:02
